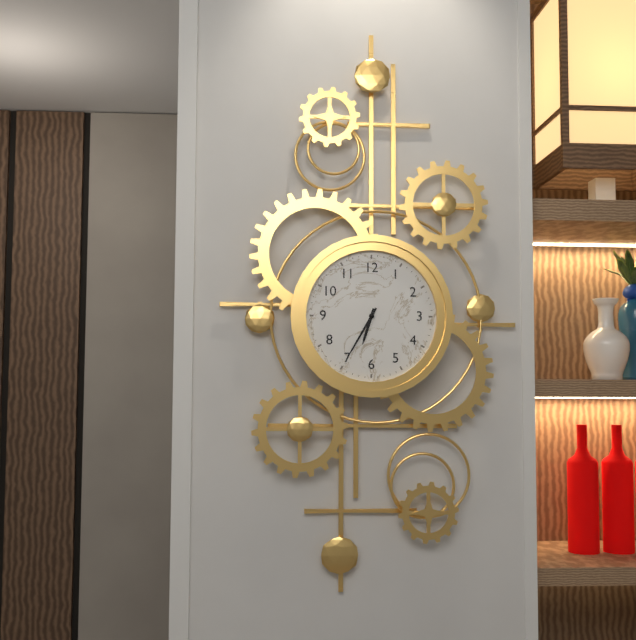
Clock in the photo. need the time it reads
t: 6:35
